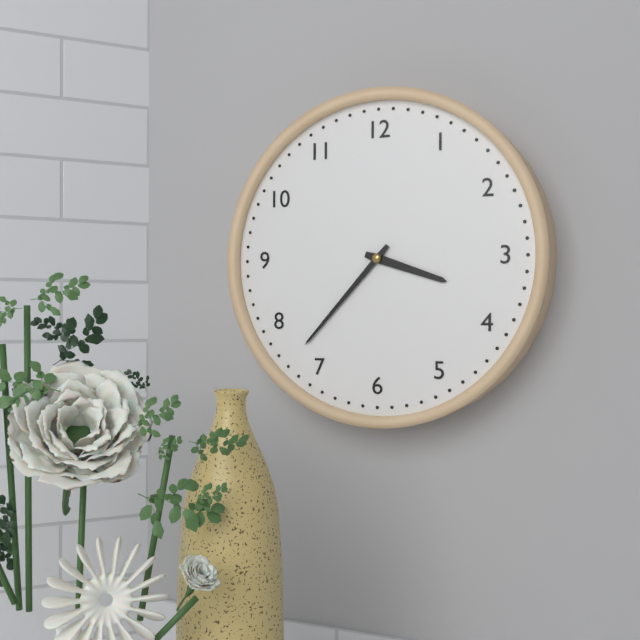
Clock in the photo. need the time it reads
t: 3:37
